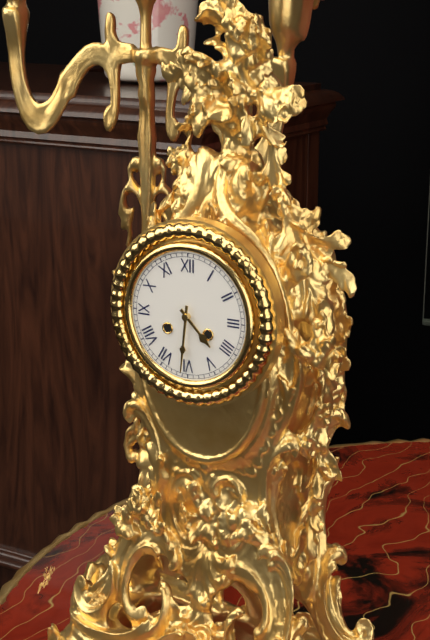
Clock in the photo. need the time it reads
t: 4:31
